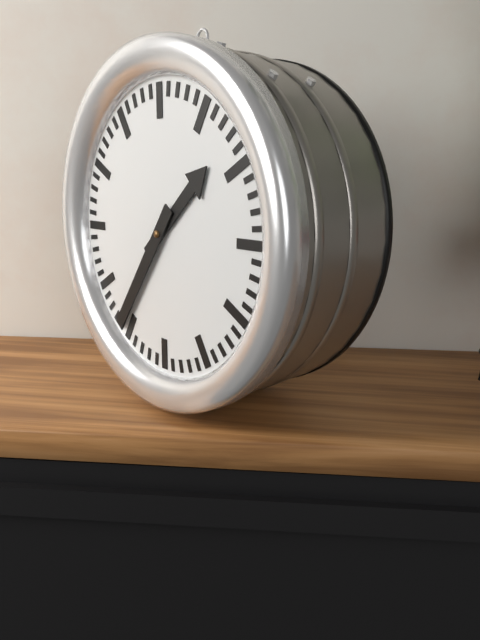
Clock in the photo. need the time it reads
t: 1:36
